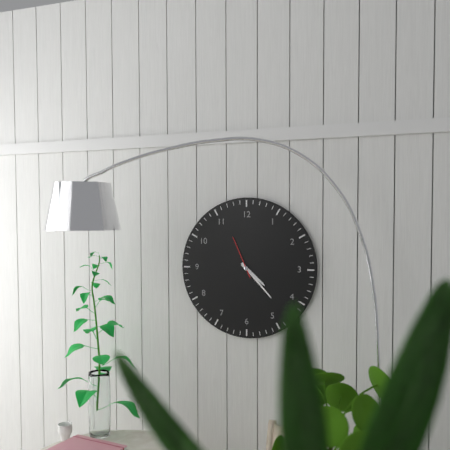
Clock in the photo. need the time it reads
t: 4:23
